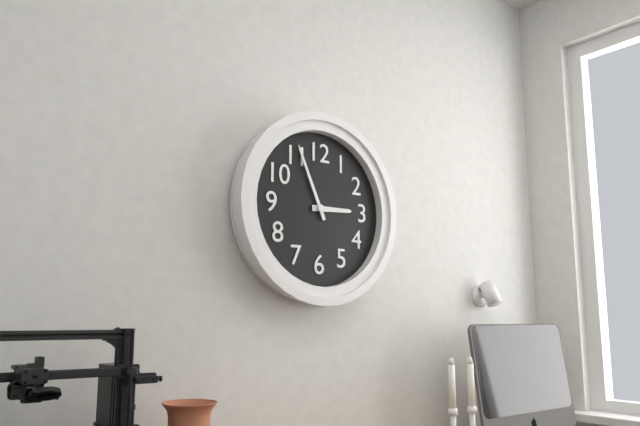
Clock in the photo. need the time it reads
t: 2:56
